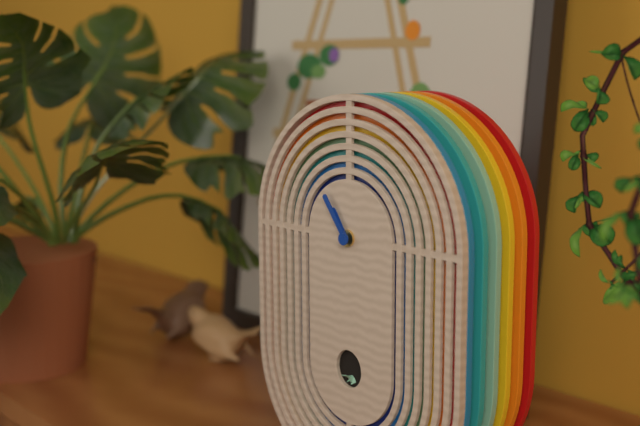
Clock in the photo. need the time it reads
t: 10:54
